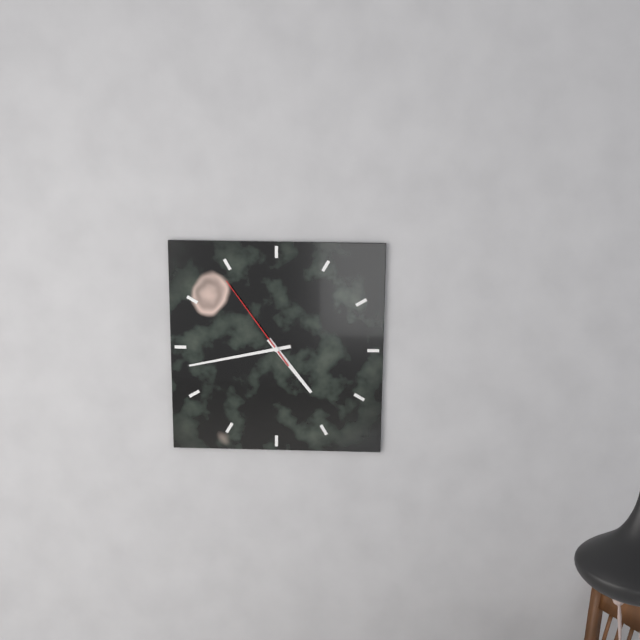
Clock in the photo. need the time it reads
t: 4:43:54
